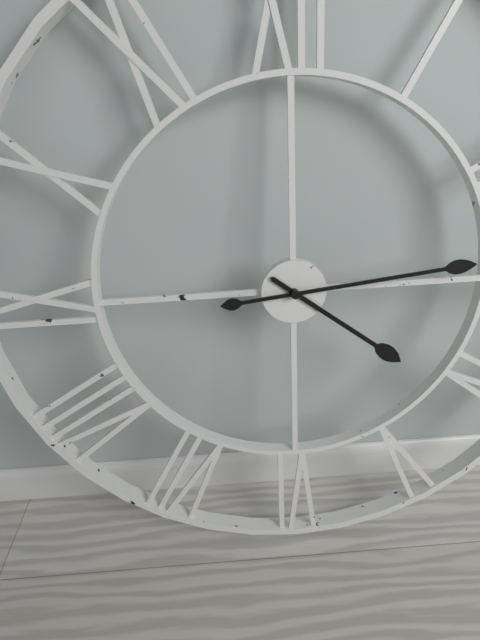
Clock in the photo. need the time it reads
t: 4:14
